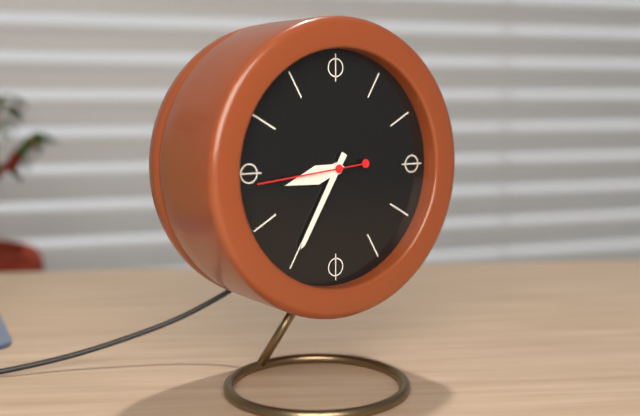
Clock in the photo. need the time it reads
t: 8:35:44
